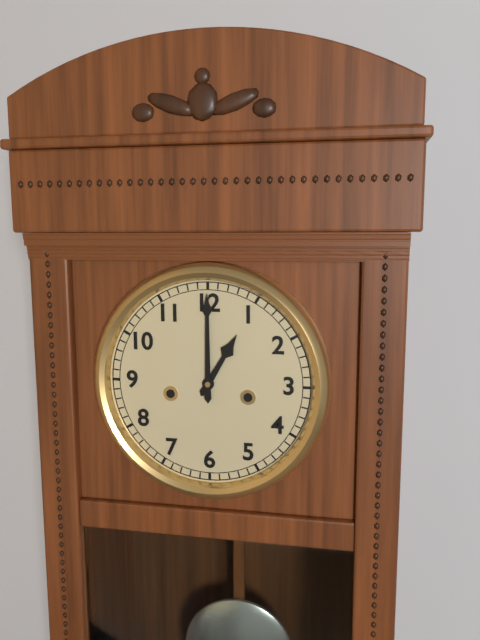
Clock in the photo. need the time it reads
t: 1:00
